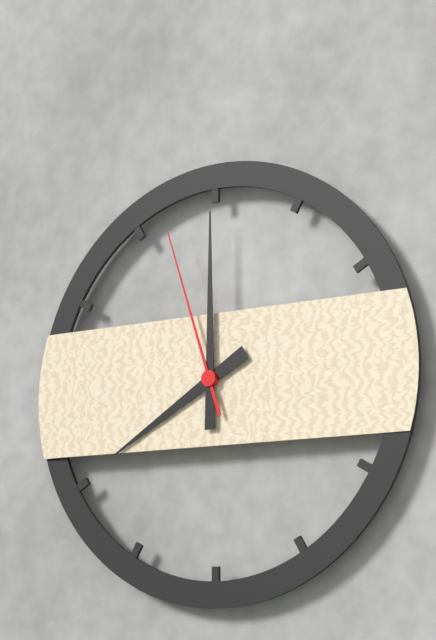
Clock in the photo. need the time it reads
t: 8:00:57
